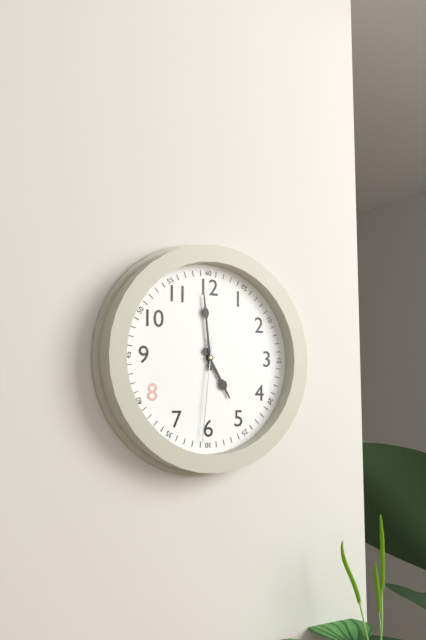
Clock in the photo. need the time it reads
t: 4:59:31
